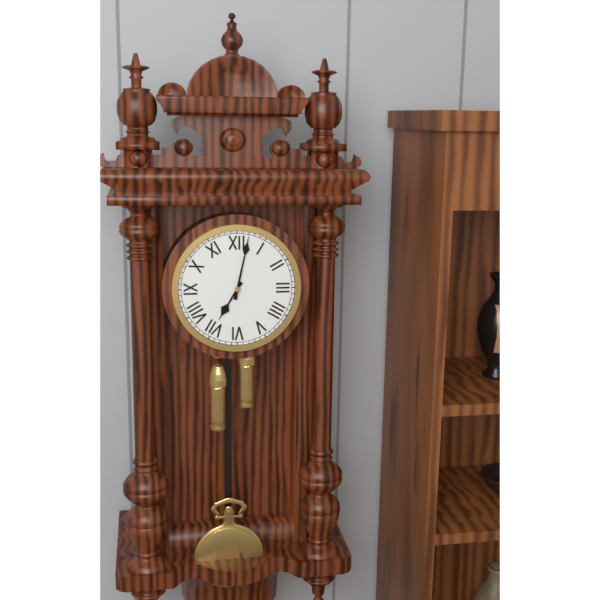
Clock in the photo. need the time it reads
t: 7:02
